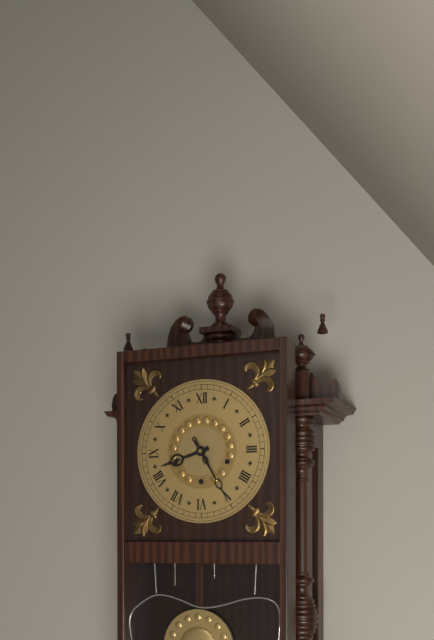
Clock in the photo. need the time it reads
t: 8:25
